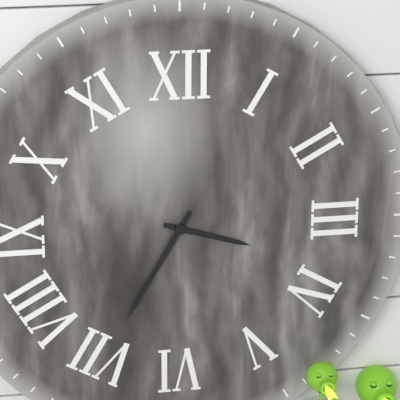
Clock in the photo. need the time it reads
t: 3:35
